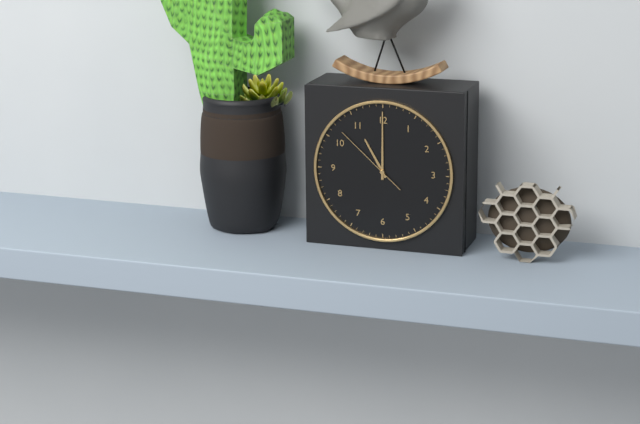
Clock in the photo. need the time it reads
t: 11:00:52
